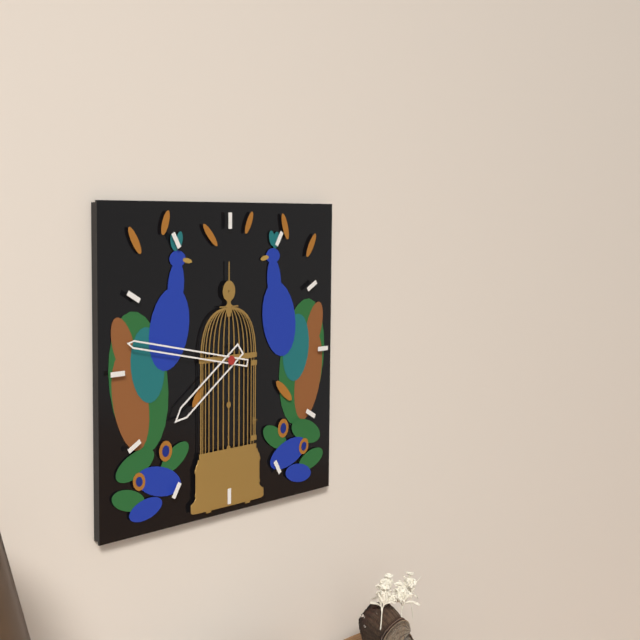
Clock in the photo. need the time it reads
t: 7:47
